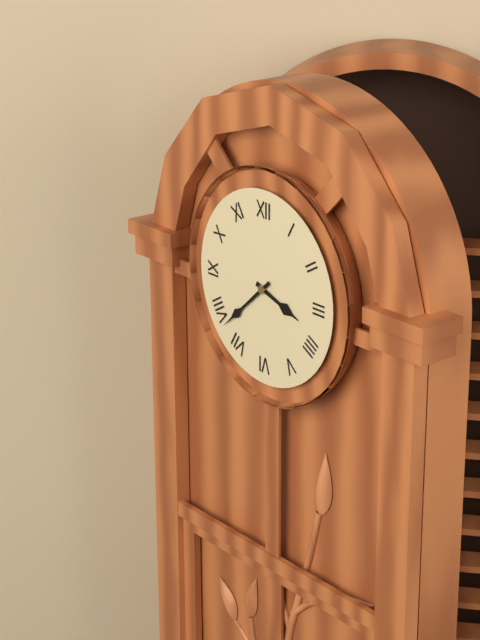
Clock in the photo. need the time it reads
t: 3:38
